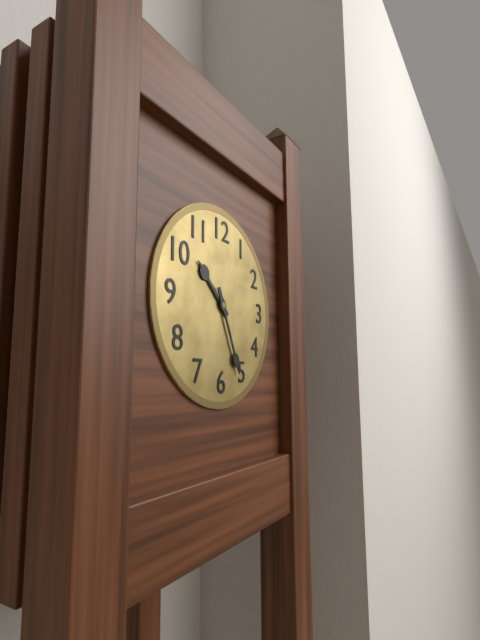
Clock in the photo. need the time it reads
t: 10:26
